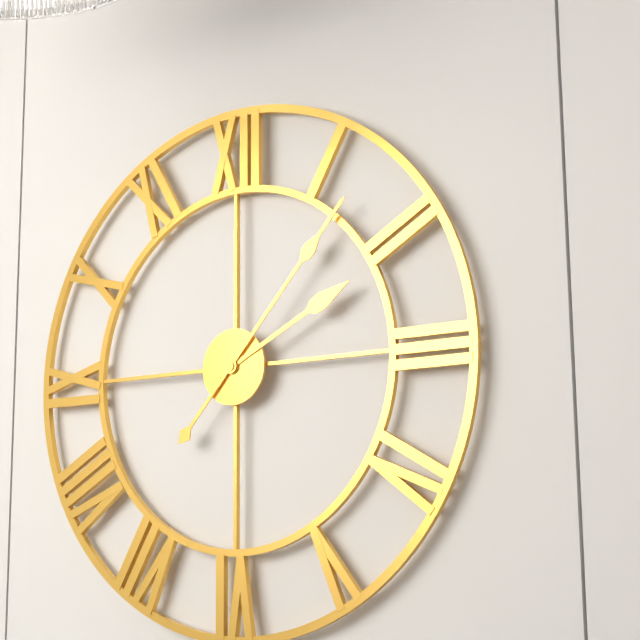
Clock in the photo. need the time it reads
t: 2:07
